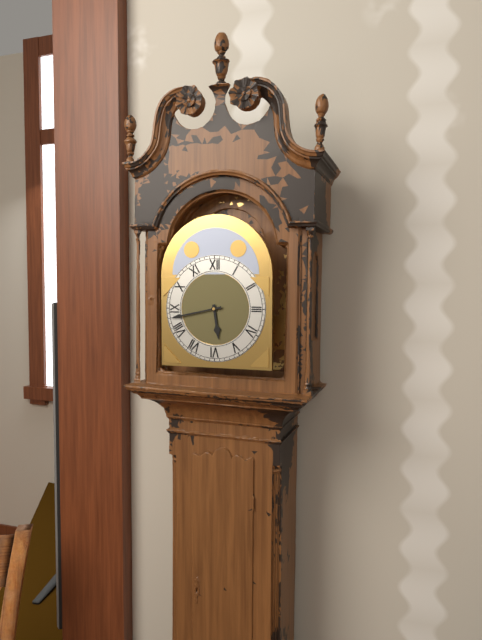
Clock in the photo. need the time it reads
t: 5:43
